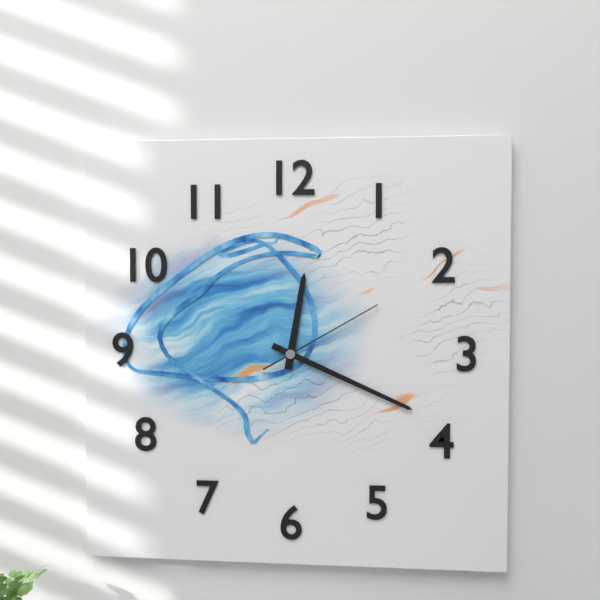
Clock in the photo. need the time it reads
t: 12:19:10
